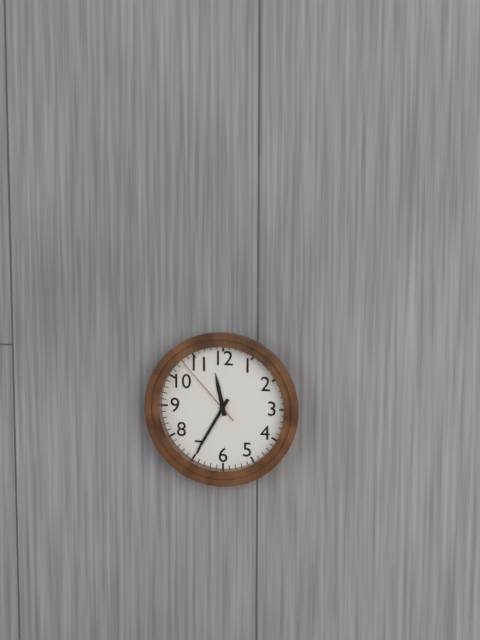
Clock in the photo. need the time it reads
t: 11:35:53
